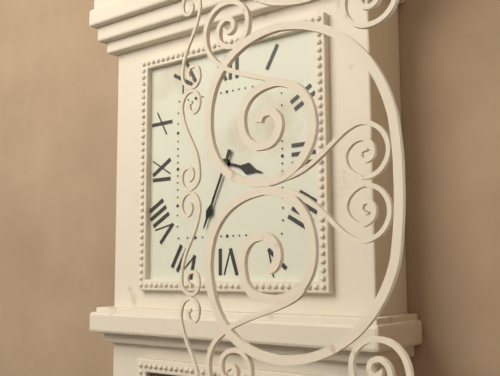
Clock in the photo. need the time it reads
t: 3:34
